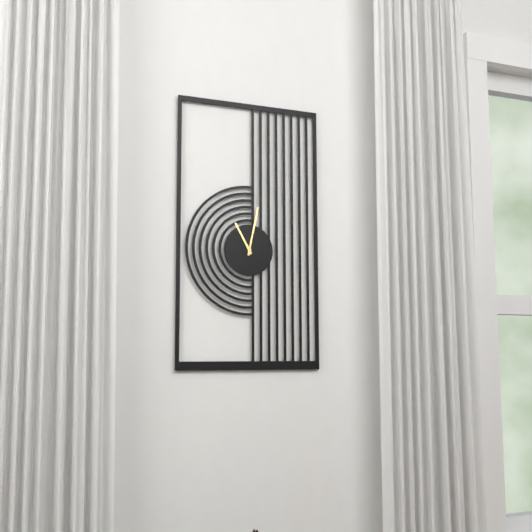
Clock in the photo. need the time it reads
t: 11:02
